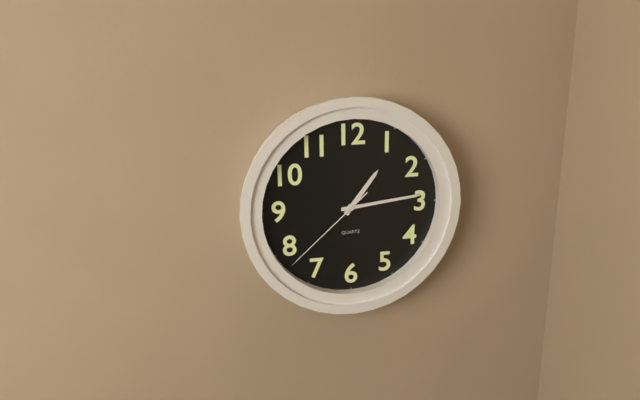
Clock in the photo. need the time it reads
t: 1:14:38
